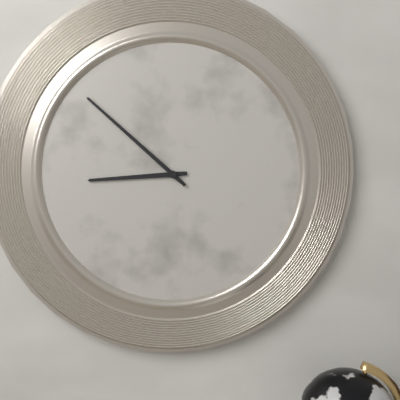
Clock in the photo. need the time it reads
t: 8:52
